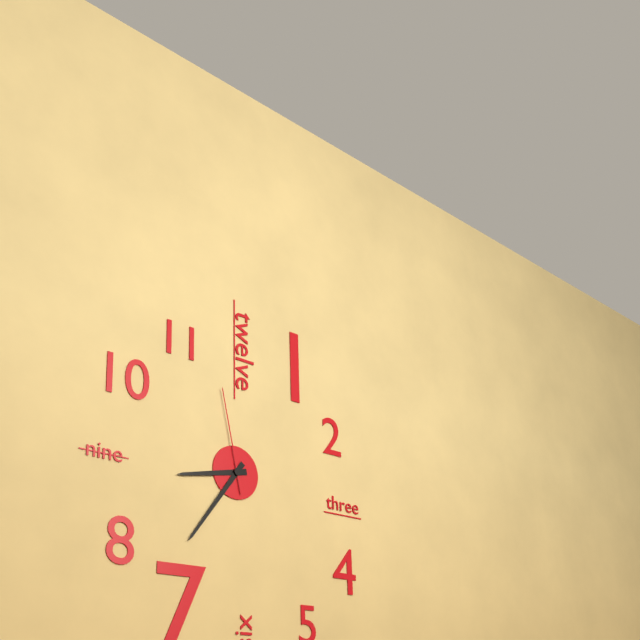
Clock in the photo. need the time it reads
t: 8:36:58
